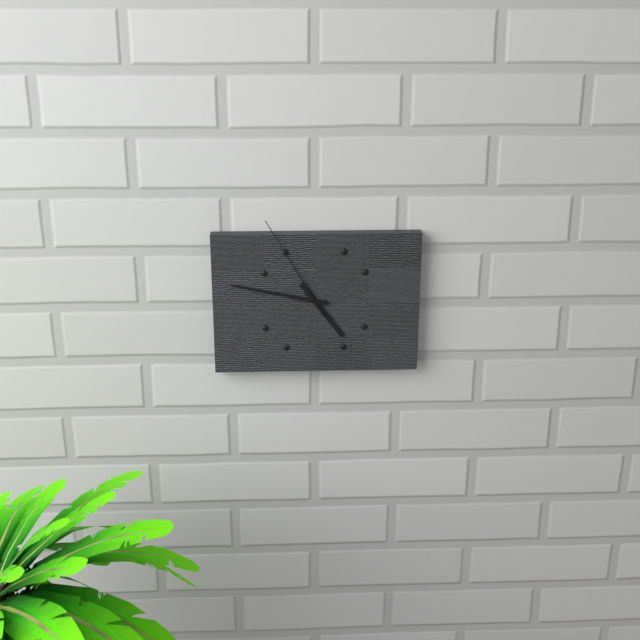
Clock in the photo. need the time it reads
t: 4:47:55
